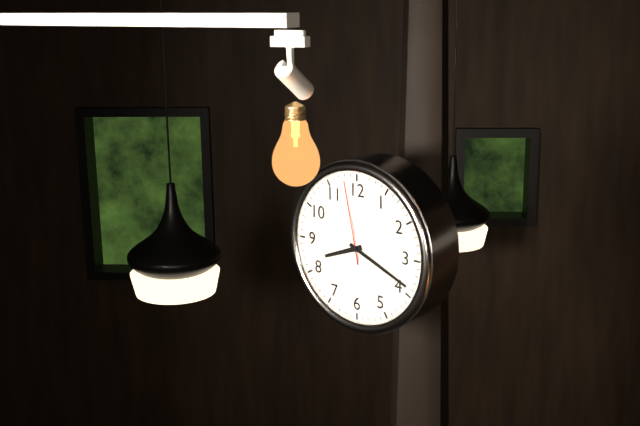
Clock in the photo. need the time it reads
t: 8:19:58
